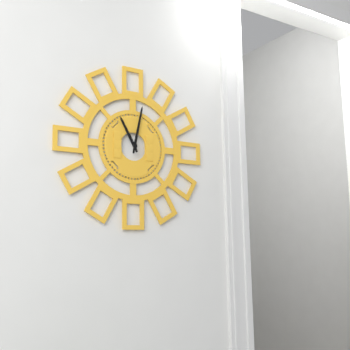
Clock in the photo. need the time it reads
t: 11:02
